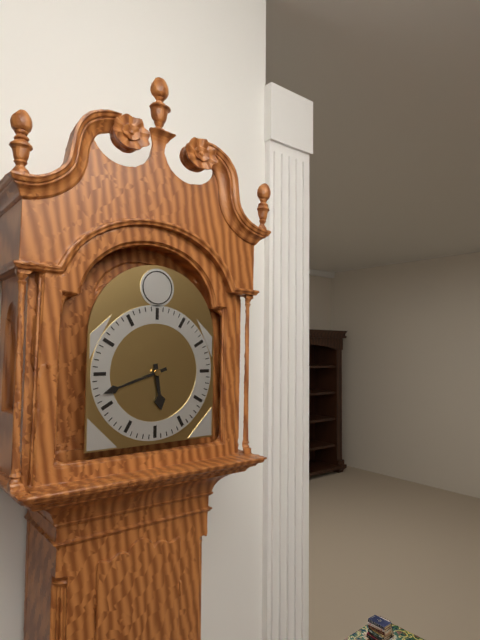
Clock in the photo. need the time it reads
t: 5:42
